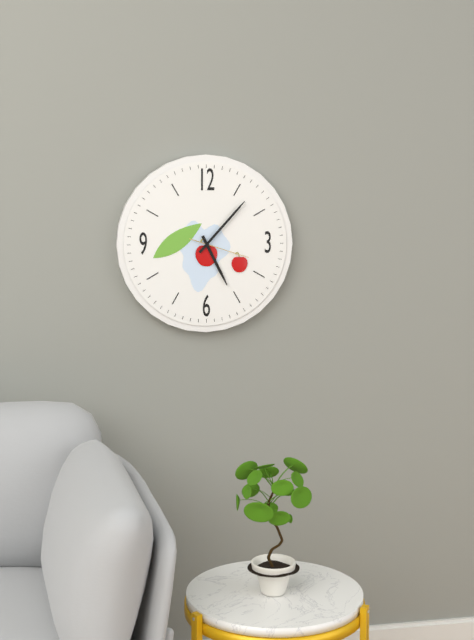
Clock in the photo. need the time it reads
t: 5:07:18
